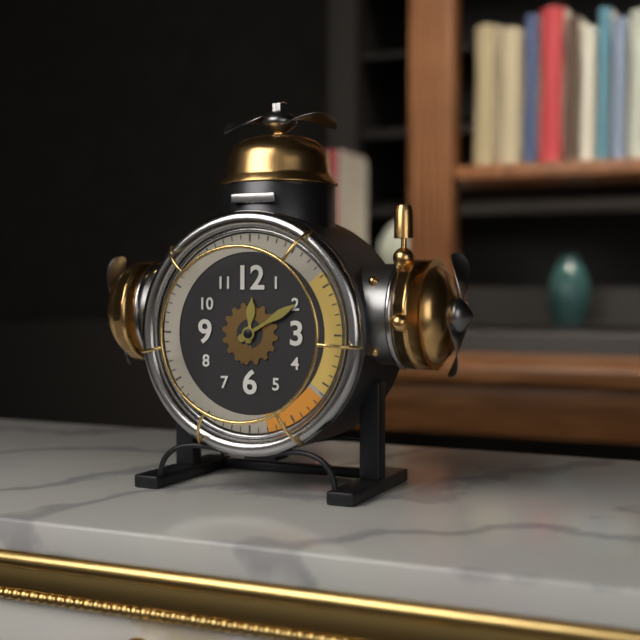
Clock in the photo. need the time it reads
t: 12:10
